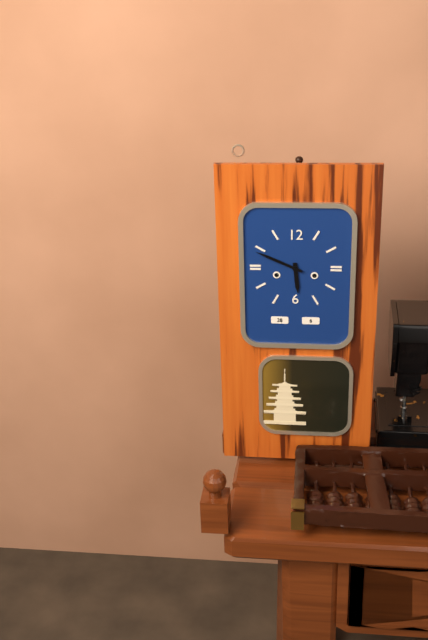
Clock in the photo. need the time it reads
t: 5:49
